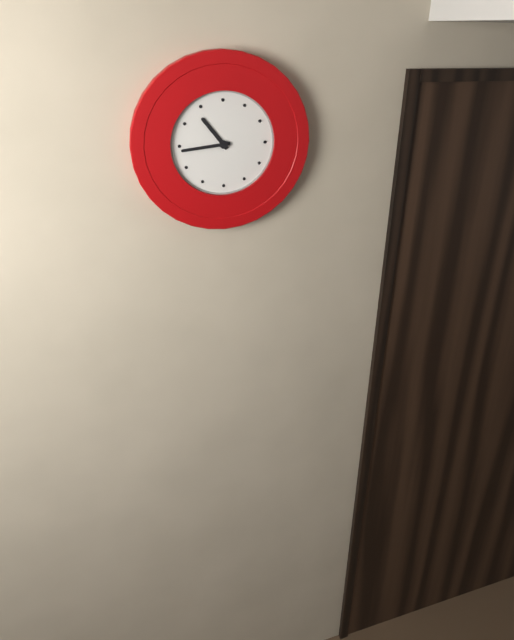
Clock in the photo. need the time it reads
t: 10:44
